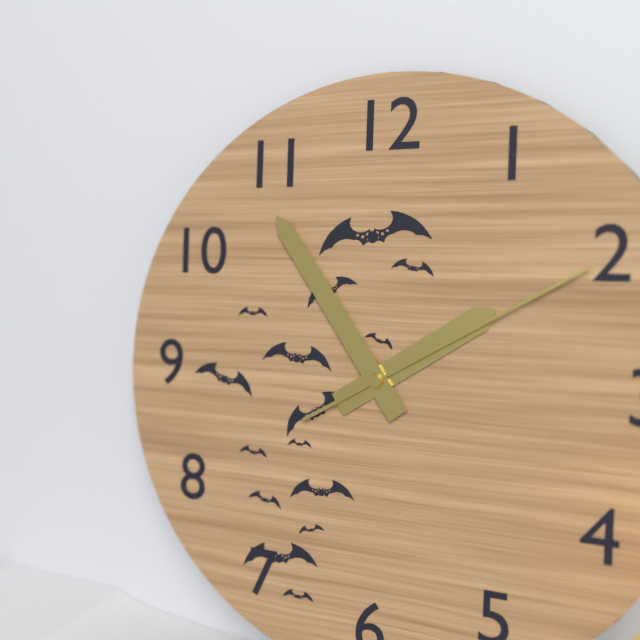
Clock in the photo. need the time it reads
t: 1:54:10
